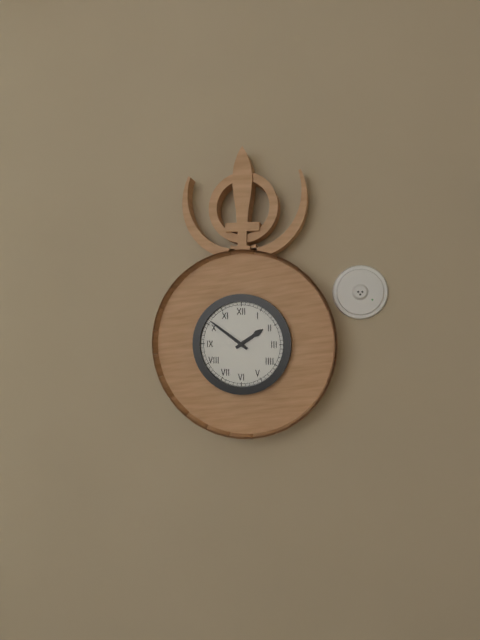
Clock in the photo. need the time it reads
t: 1:51
